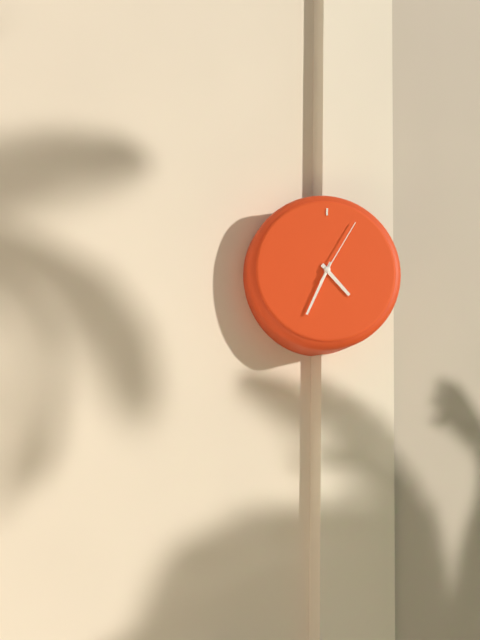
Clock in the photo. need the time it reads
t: 4:34:05
